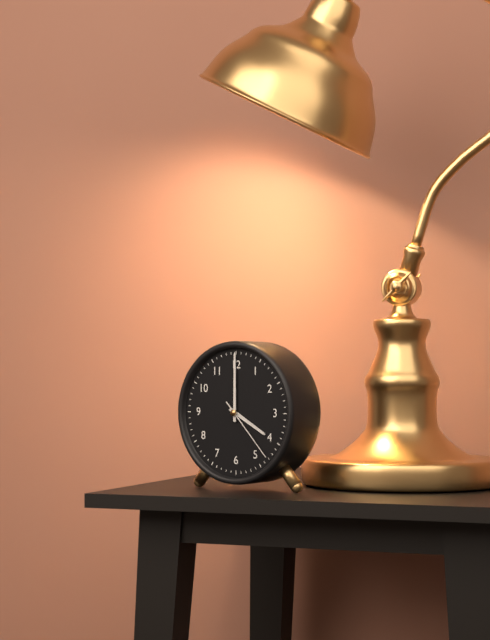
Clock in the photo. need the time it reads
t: 4:00:23
